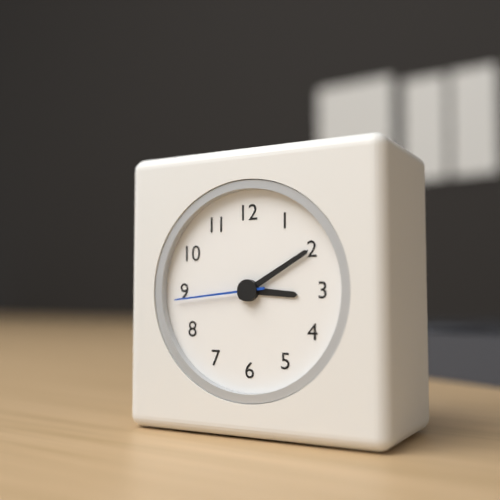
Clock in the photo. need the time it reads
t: 3:10:44
